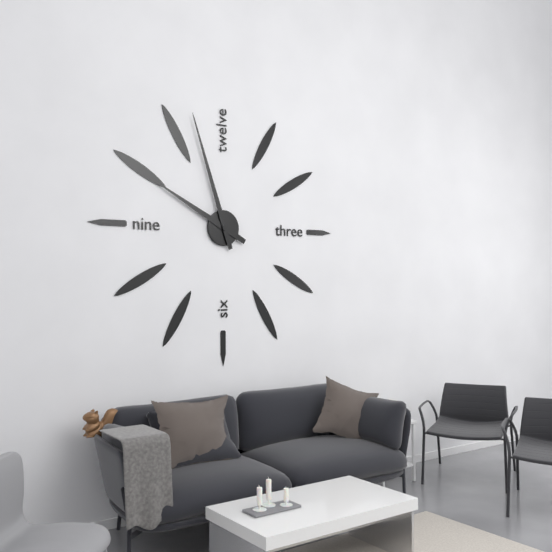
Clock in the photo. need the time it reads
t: 9:57
